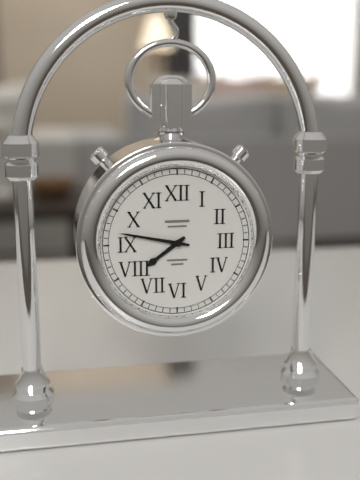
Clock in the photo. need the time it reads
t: 7:47
